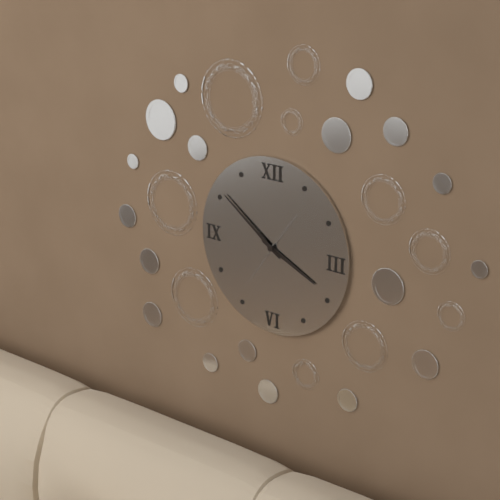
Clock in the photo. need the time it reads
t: 3:51:36
